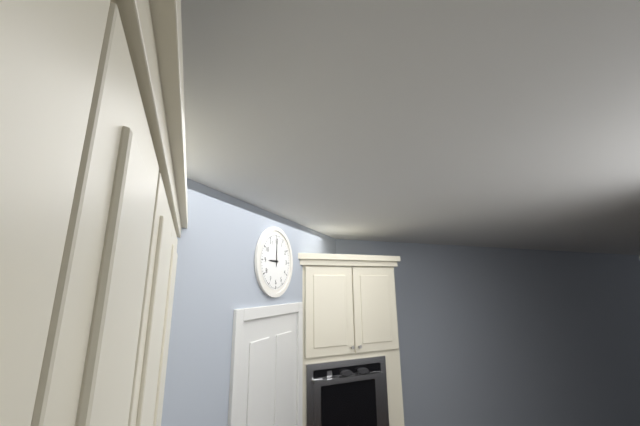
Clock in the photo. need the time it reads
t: 9:00
